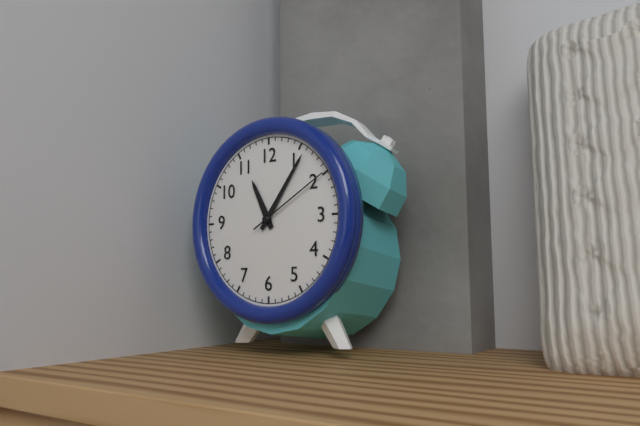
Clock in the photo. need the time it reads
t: 11:06:10
